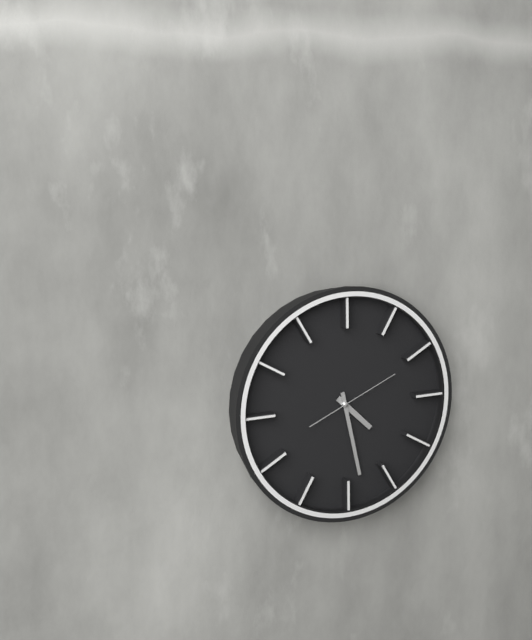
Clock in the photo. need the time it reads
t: 4:28:11
